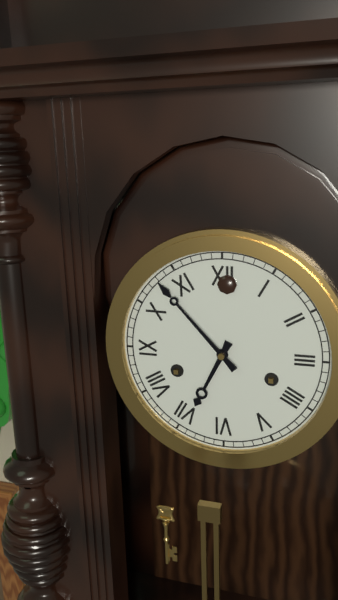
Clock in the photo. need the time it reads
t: 6:53
